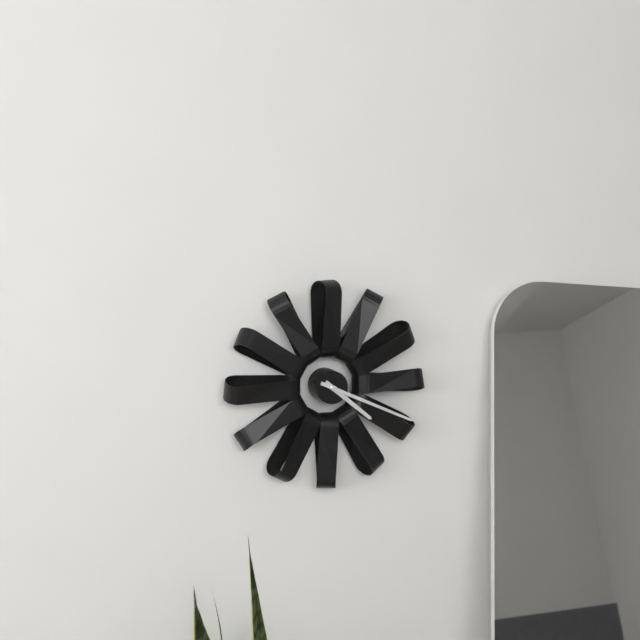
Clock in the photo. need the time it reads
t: 4:19
